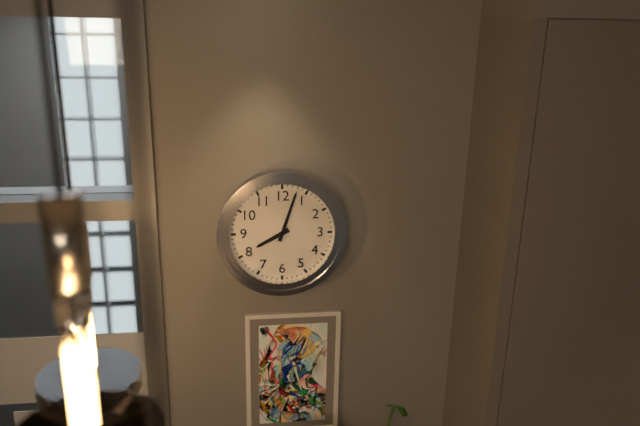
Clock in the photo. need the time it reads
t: 8:03
